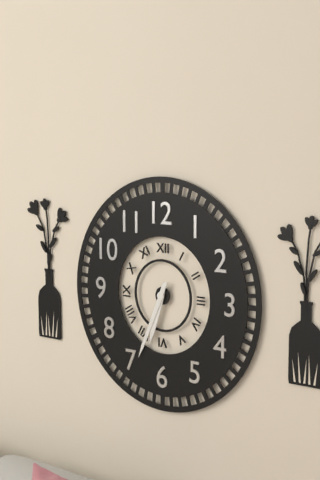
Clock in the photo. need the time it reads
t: 6:34
